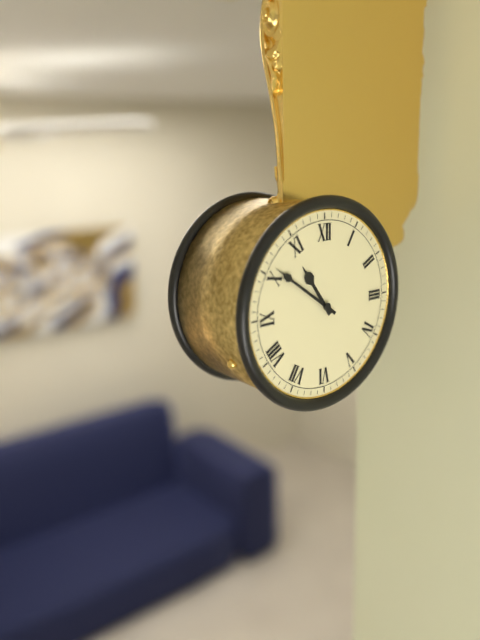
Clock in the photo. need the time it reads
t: 10:51
